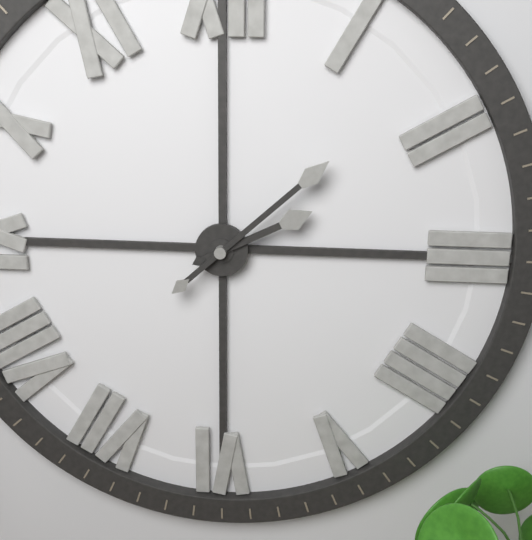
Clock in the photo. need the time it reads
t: 2:08
